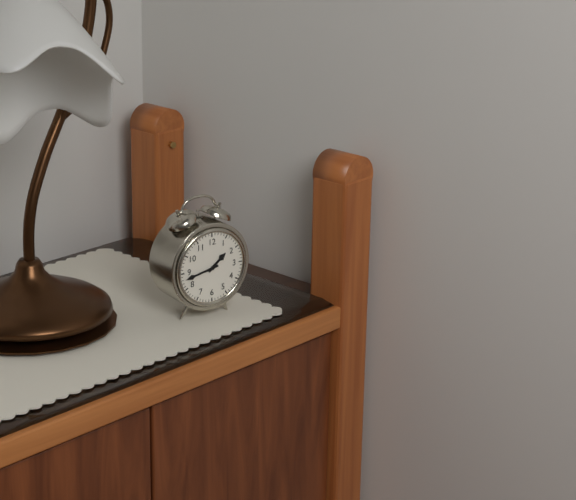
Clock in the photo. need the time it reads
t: 1:43
